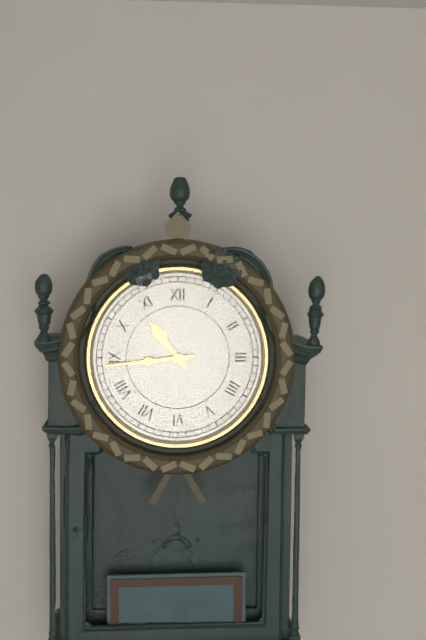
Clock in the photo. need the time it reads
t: 10:44
